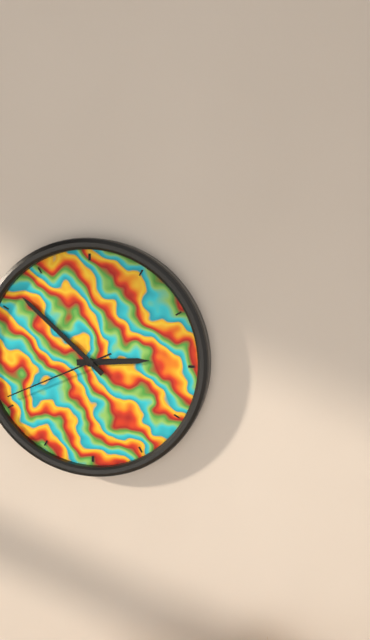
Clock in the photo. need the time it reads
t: 2:52:41
